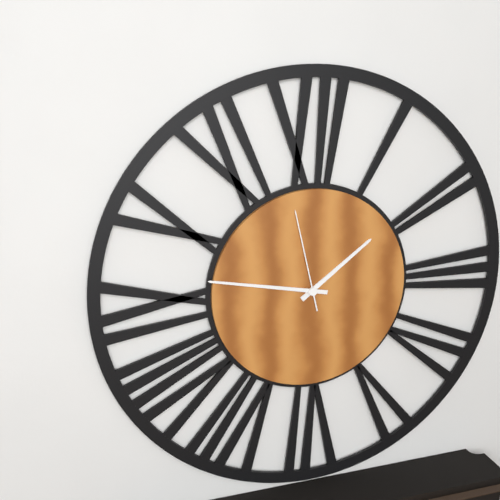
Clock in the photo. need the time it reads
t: 1:47:58
